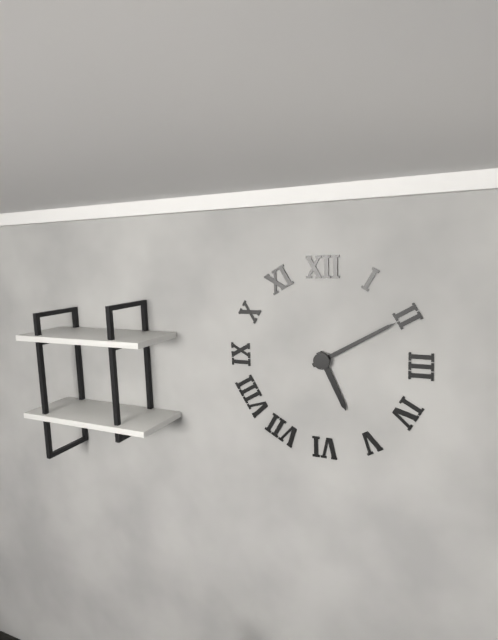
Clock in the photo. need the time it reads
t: 5:10
